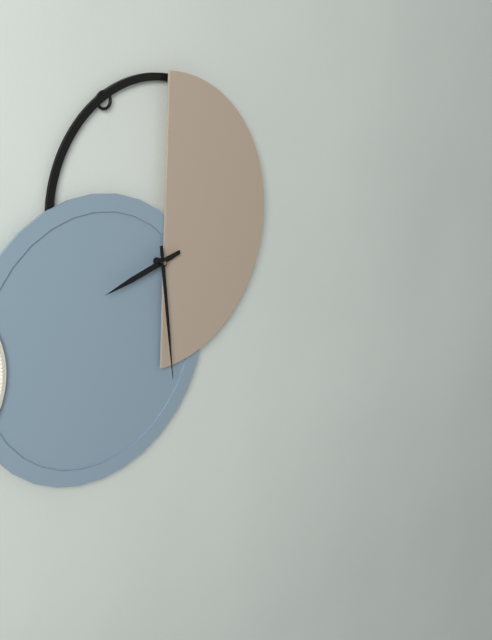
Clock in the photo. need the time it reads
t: 8:29
